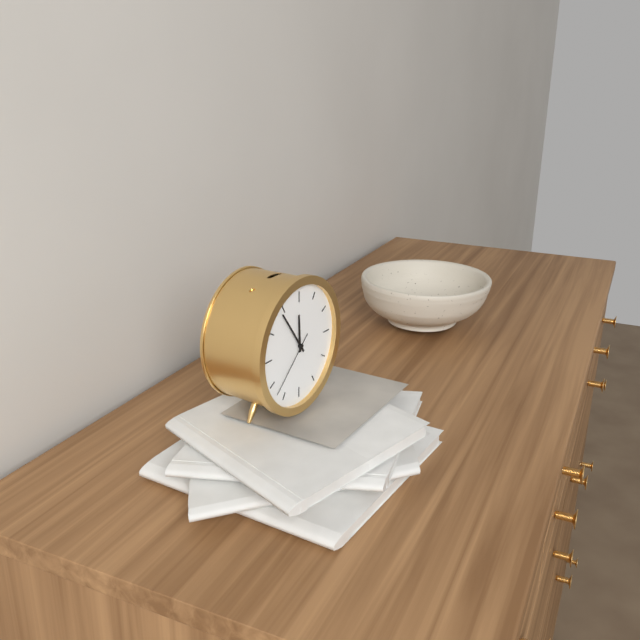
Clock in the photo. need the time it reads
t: 11:54:38
